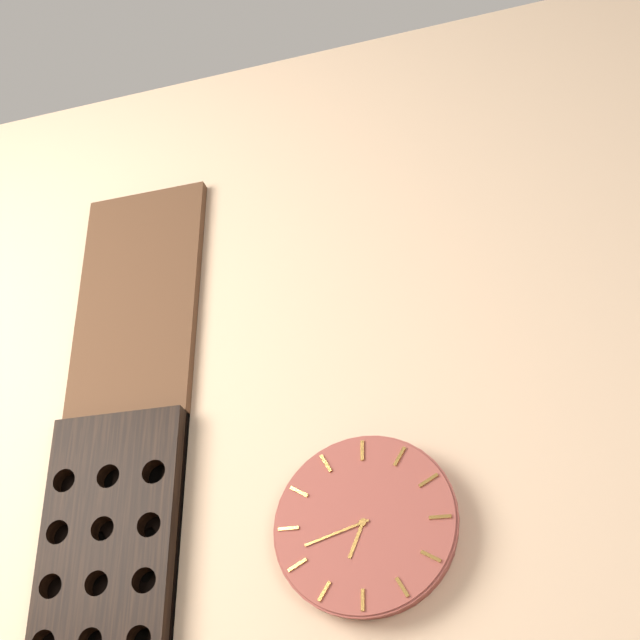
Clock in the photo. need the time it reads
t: 6:42
